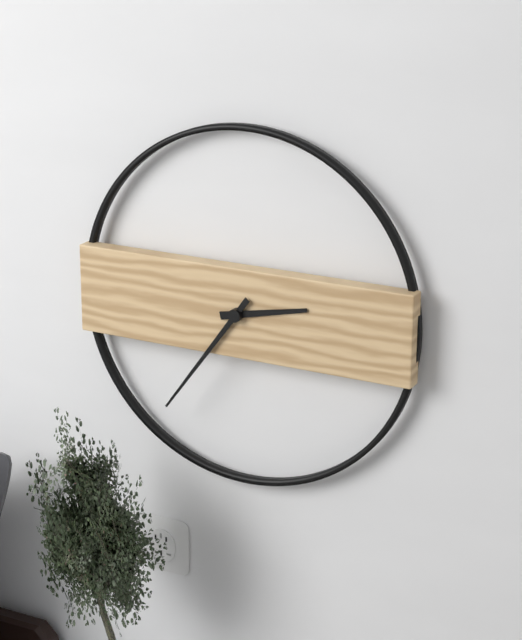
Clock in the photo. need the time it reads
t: 2:36
